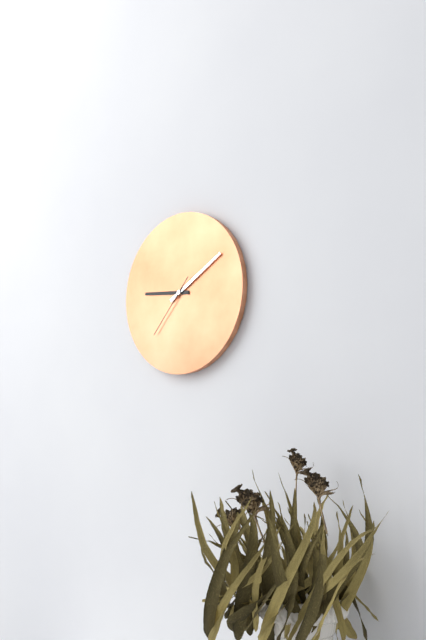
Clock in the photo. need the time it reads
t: 9:10:37
